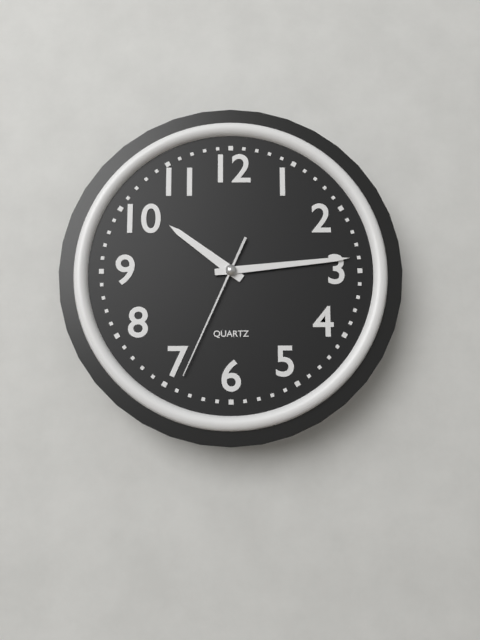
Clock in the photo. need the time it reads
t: 10:14:34
